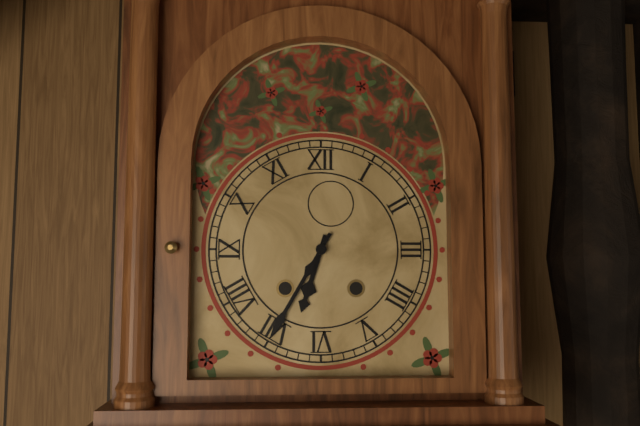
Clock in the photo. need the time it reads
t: 6:35
